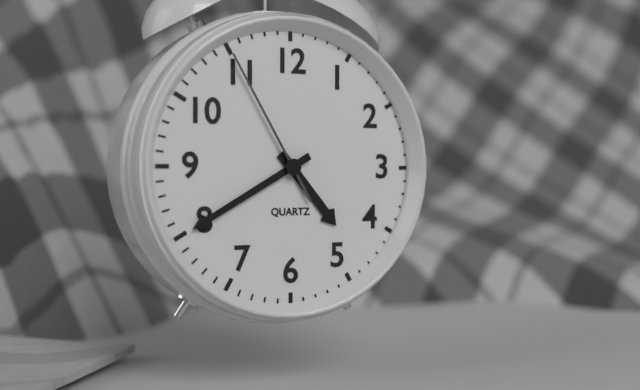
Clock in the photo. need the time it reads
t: 4:40:55
